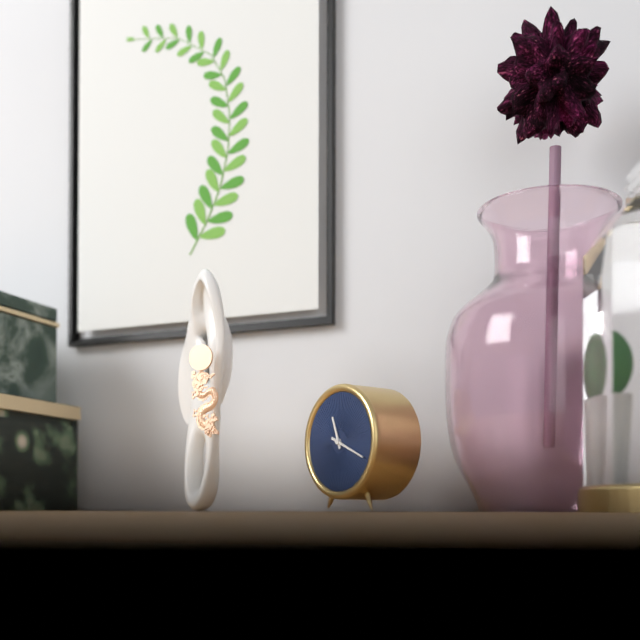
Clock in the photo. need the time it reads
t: 11:19
